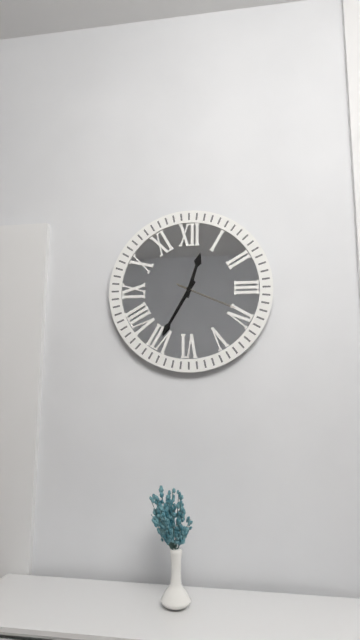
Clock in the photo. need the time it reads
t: 12:35:19
